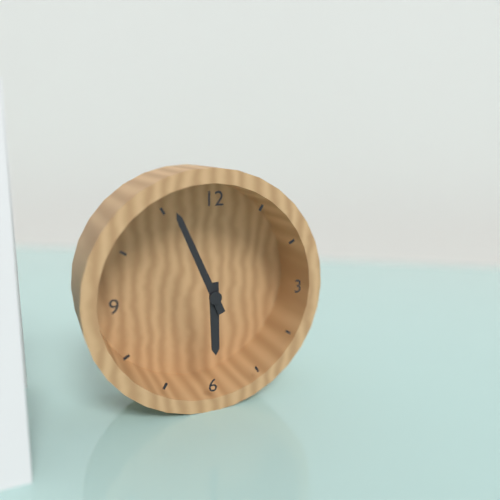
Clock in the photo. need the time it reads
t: 5:56
